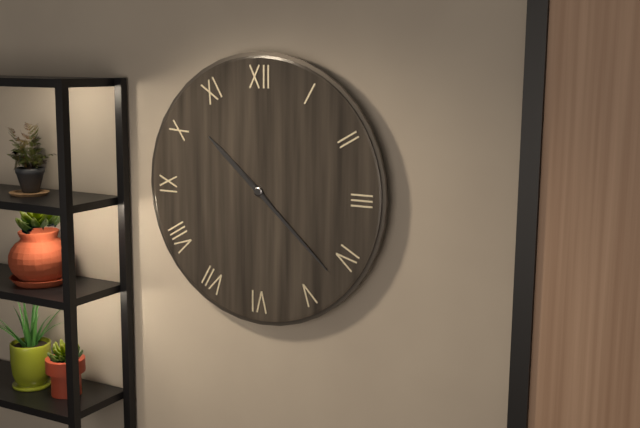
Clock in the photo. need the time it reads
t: 10:22
